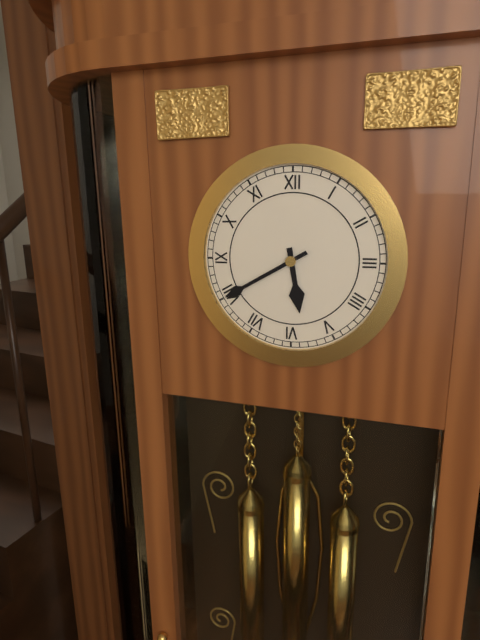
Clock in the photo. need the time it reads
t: 5:40
